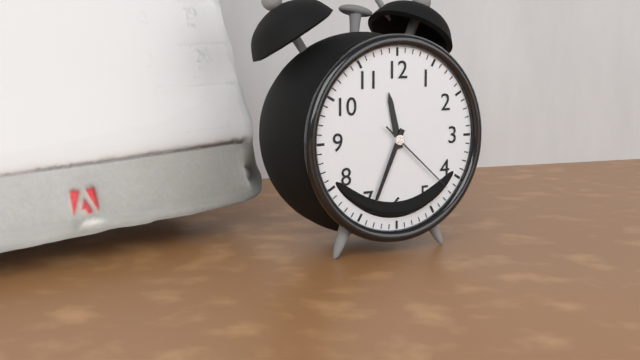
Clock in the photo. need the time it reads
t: 11:34:22
